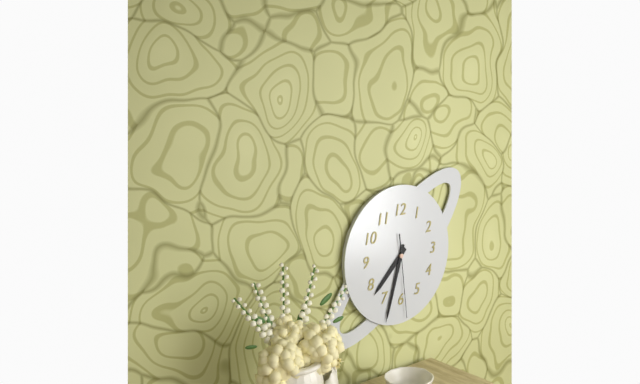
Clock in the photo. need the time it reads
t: 7:33:29
